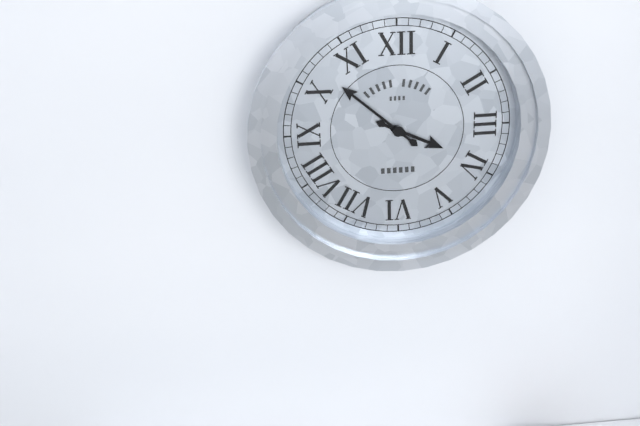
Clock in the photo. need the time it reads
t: 3:52
